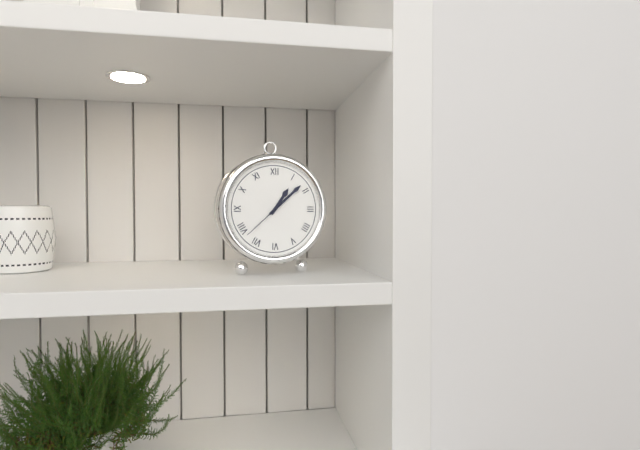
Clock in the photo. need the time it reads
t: 1:08
